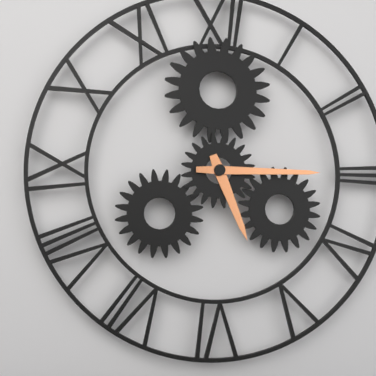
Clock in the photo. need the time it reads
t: 5:15
